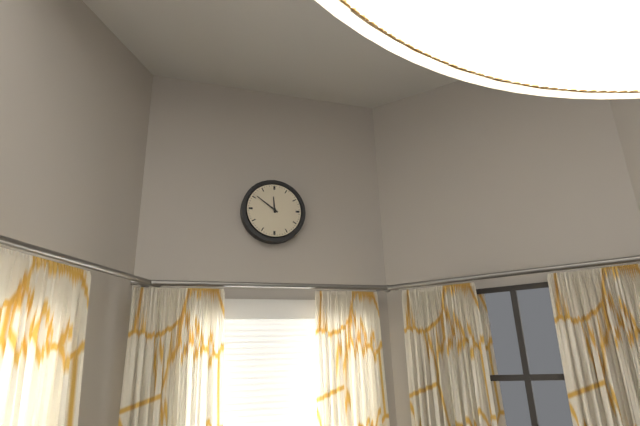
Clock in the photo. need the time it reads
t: 11:51
